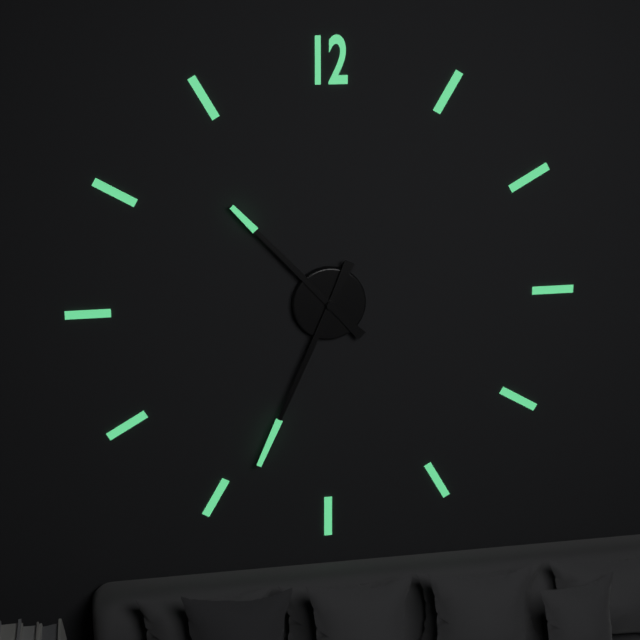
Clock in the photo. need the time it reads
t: 10:34
